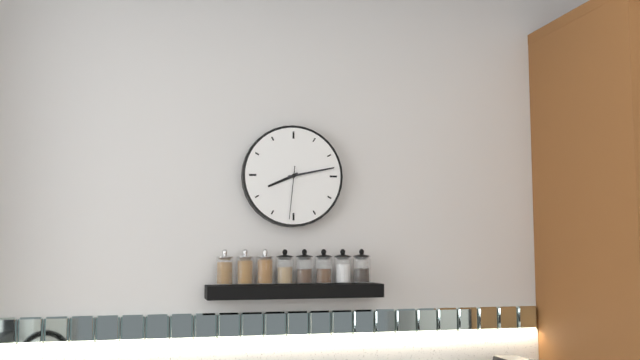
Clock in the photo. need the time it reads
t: 8:13:31
